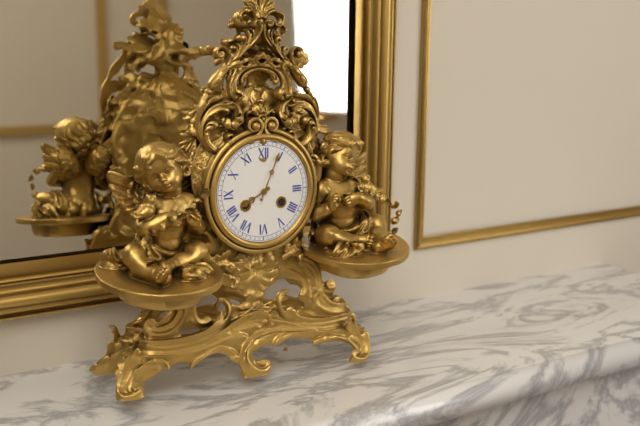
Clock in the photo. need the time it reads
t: 8:04
